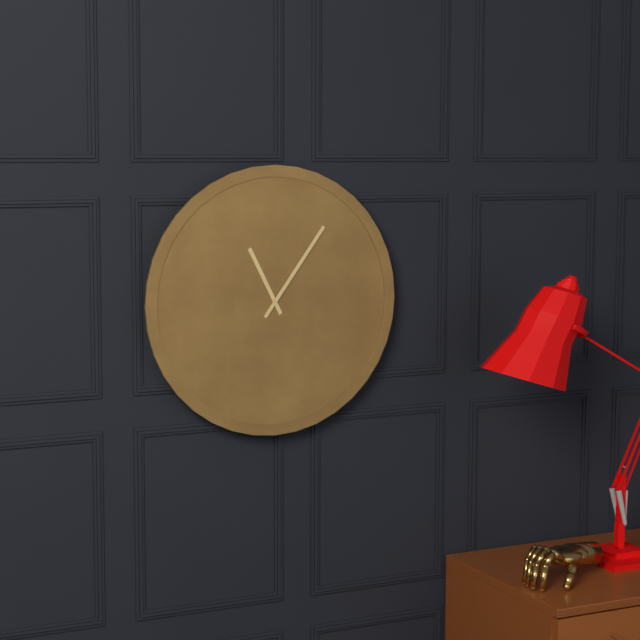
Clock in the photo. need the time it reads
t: 11:06
